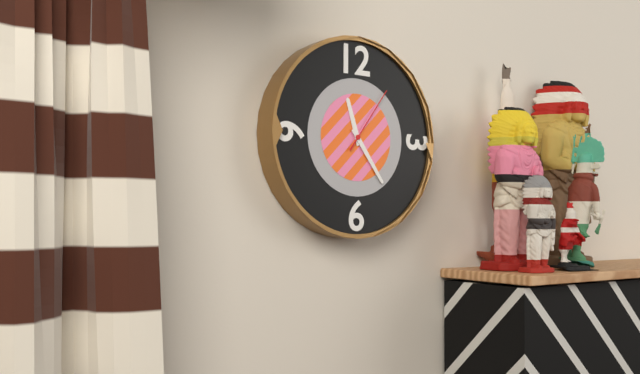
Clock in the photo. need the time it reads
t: 11:24:06
